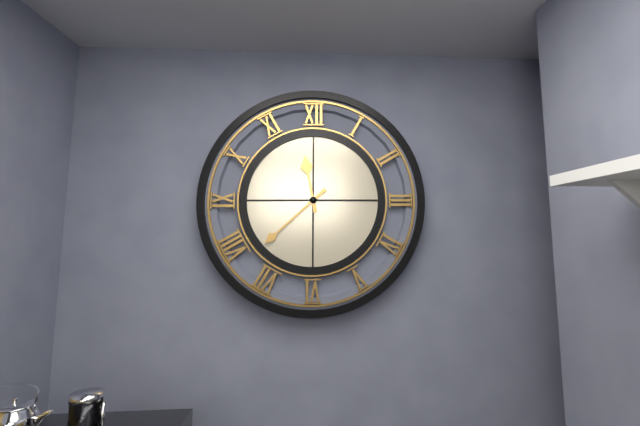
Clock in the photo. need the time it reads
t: 11:38
